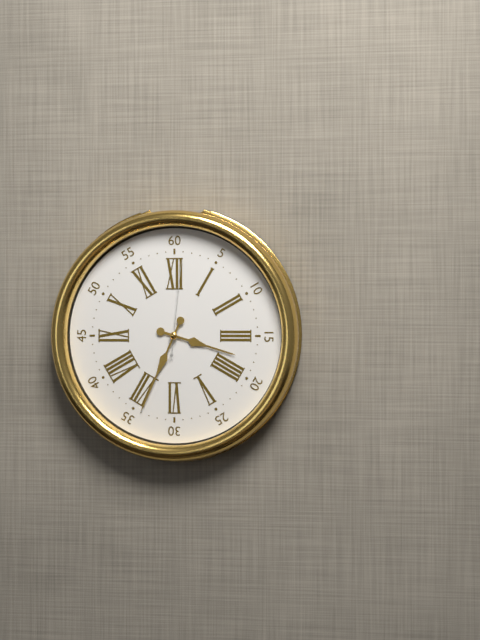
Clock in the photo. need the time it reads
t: 3:34:01
